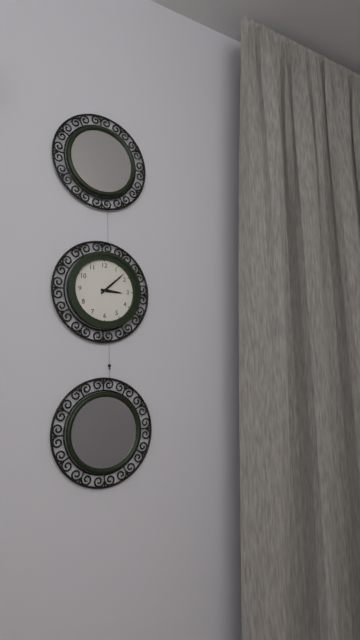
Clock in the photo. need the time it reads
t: 3:08
